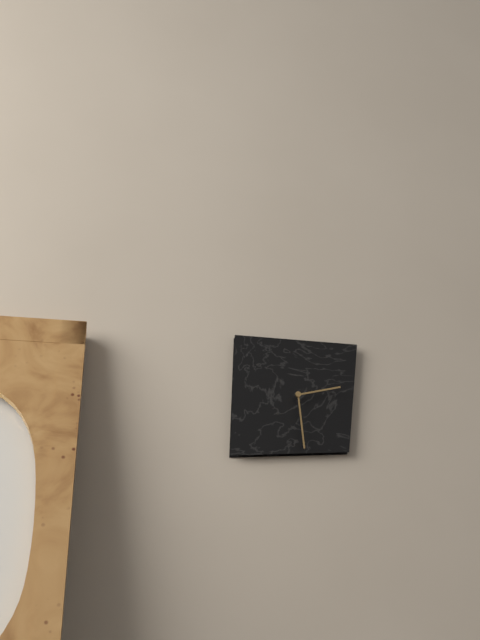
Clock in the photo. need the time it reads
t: 2:29
